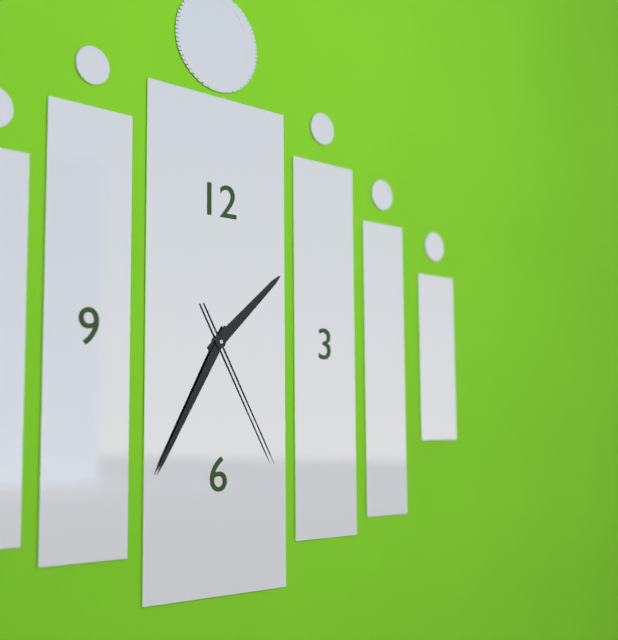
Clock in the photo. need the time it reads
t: 1:35:25
